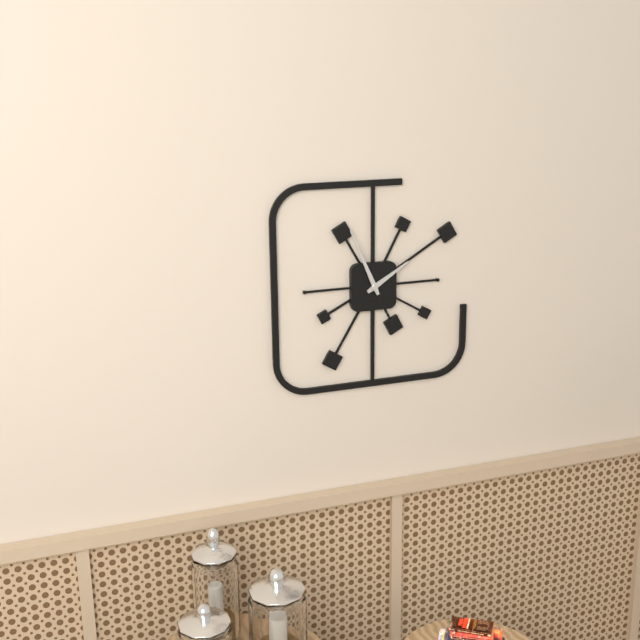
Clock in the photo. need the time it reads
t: 1:56
